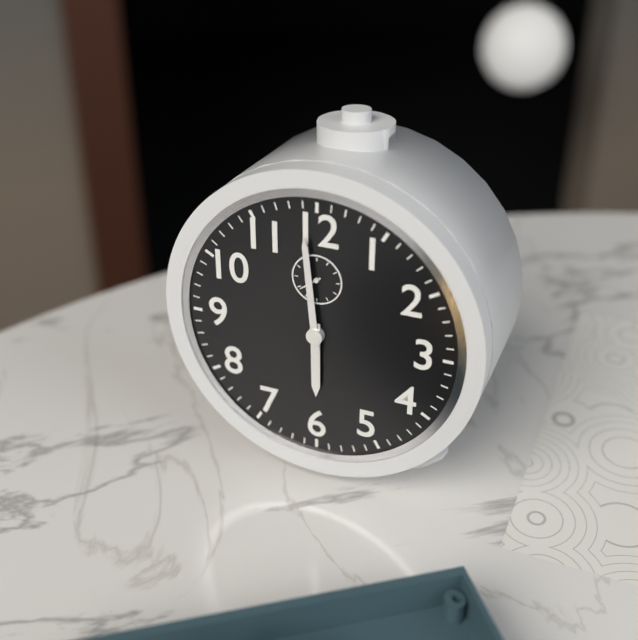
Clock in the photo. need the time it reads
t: 5:59
